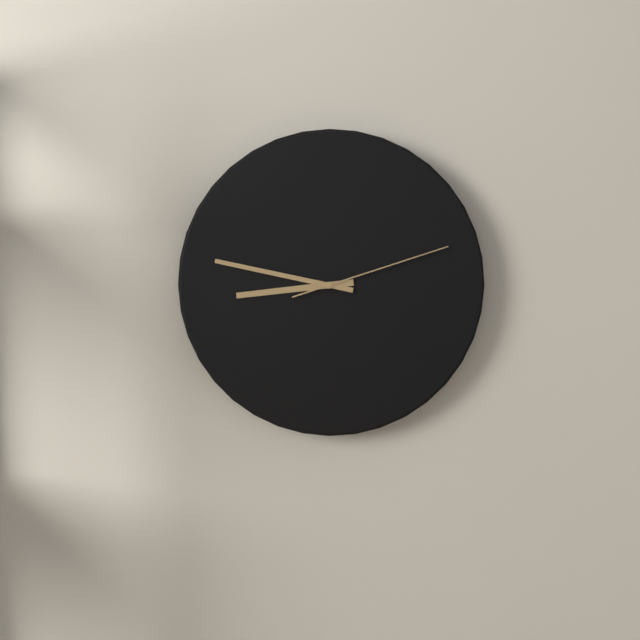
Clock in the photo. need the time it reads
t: 8:47:12
